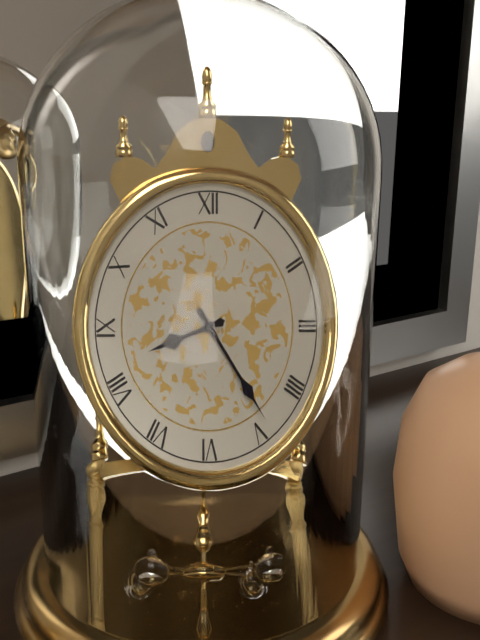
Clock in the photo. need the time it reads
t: 8:24
